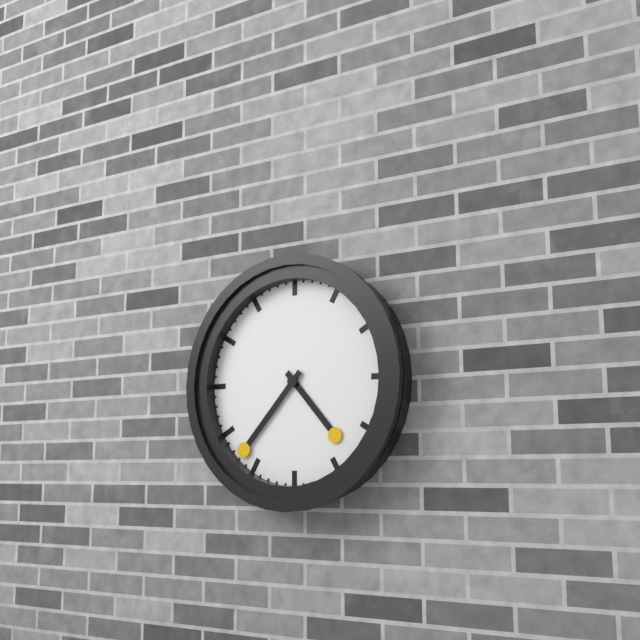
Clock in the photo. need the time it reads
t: 4:37
